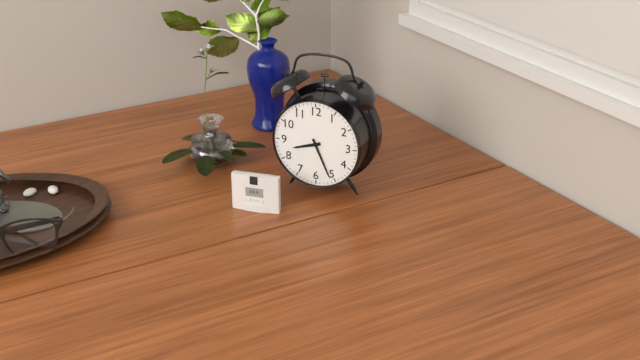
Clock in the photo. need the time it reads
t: 8:26
